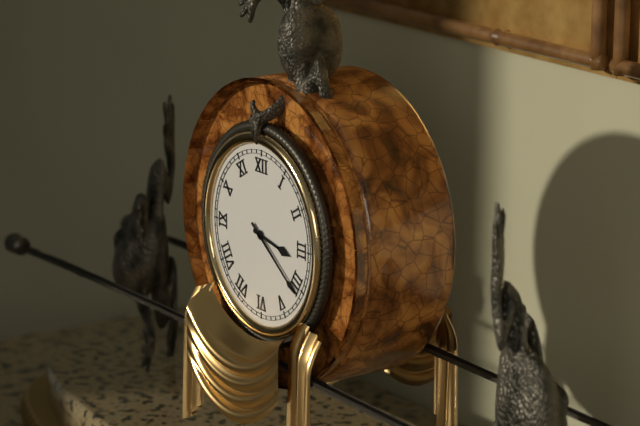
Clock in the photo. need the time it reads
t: 3:21
